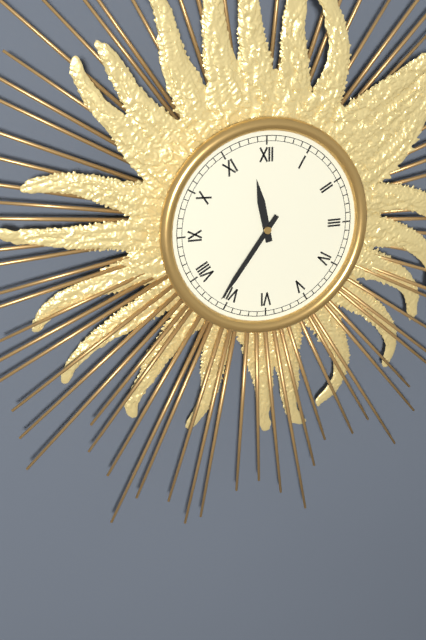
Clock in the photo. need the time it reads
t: 11:36
